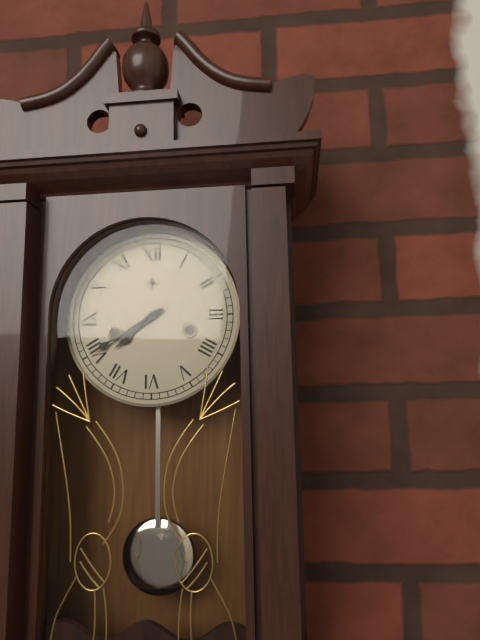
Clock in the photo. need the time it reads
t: 7:40
